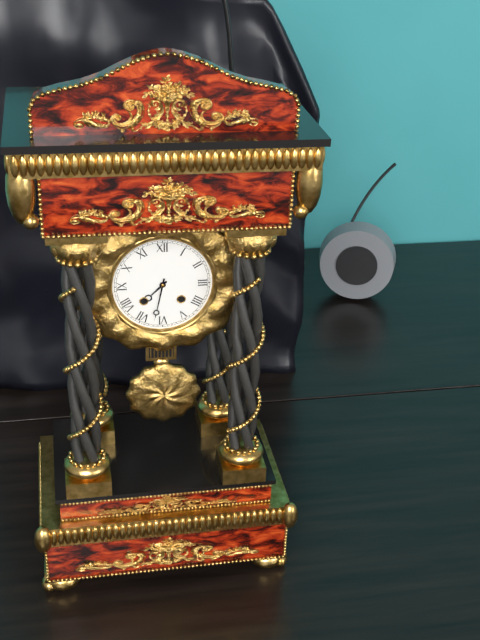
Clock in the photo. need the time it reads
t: 7:32
